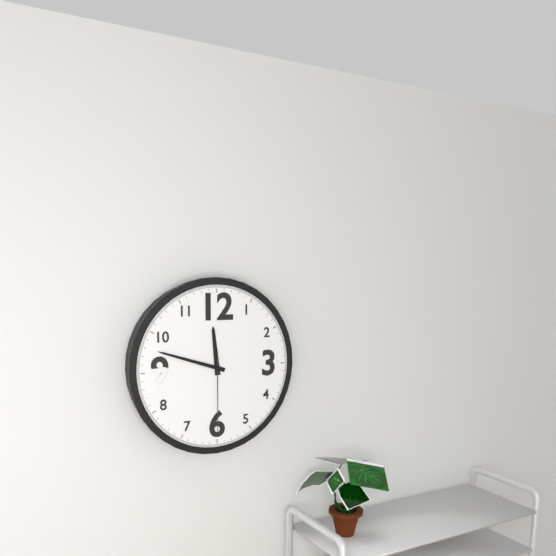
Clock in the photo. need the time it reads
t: 11:48:30
